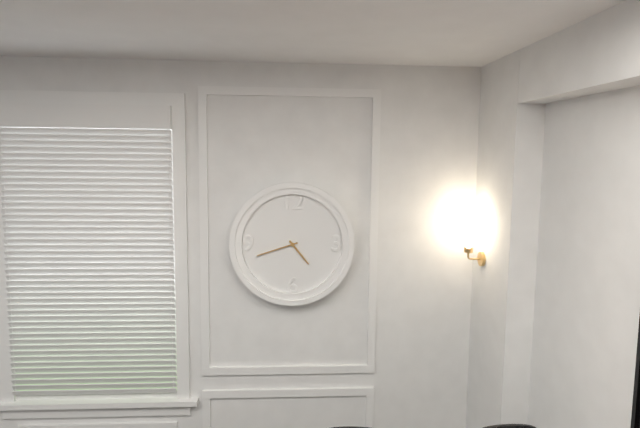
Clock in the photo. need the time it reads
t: 4:42
